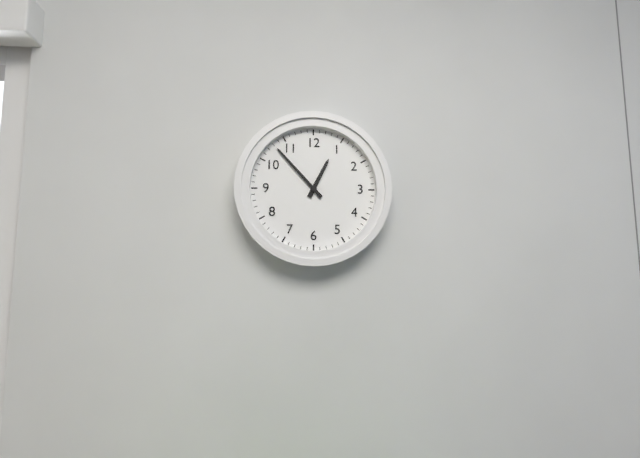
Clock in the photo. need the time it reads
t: 12:53
